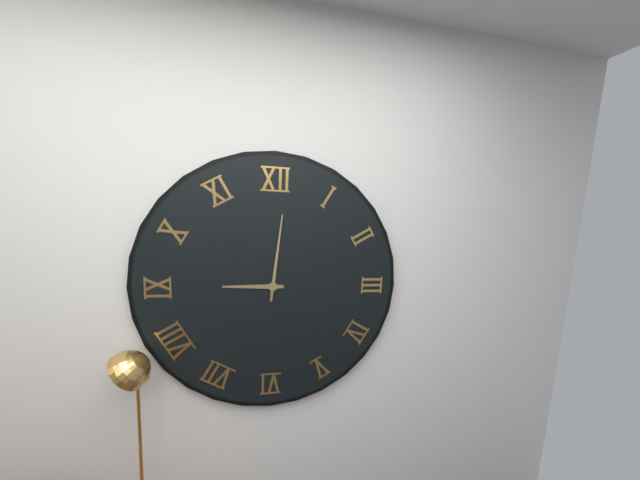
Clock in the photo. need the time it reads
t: 9:01
